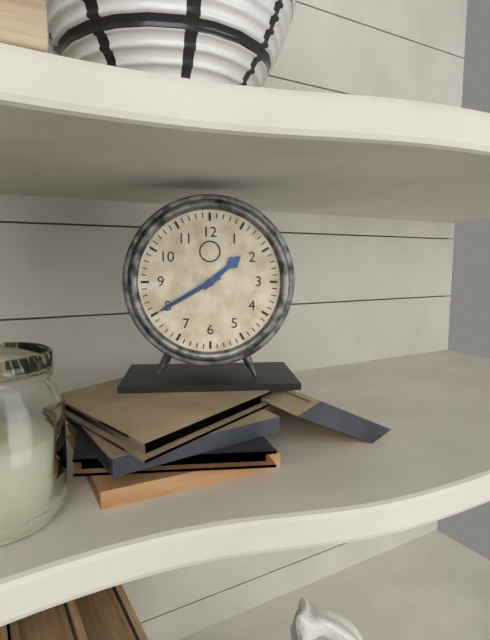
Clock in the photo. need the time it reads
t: 1:40
